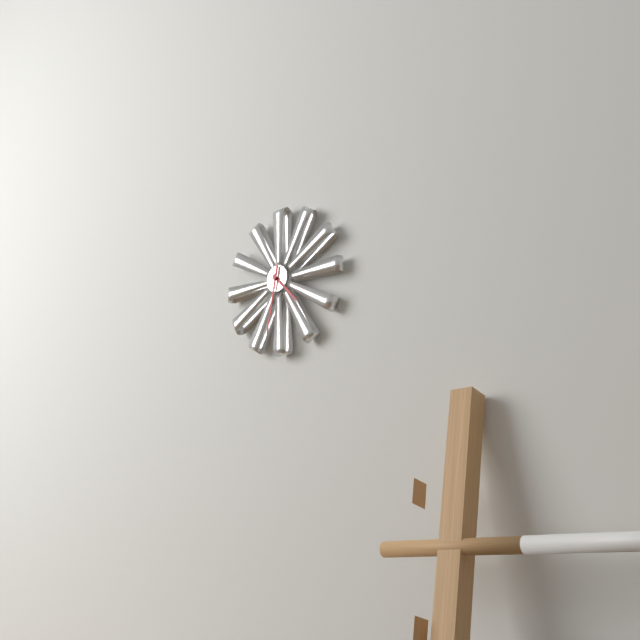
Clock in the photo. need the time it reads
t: 4:32
